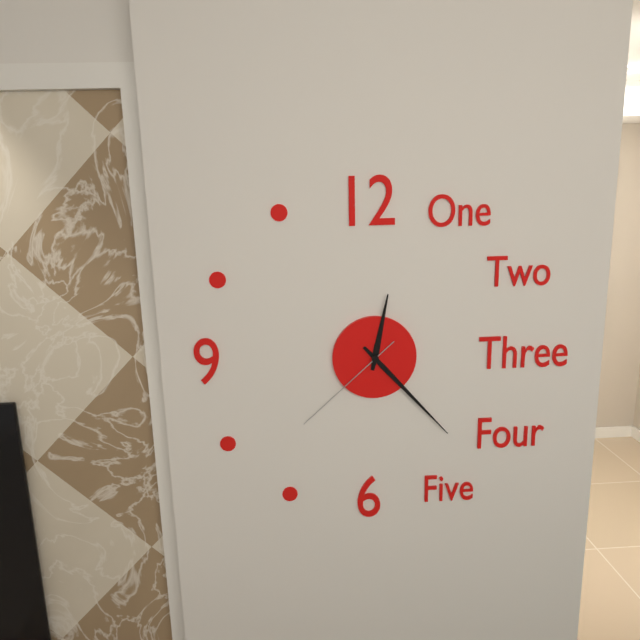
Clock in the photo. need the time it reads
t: 12:23:38
